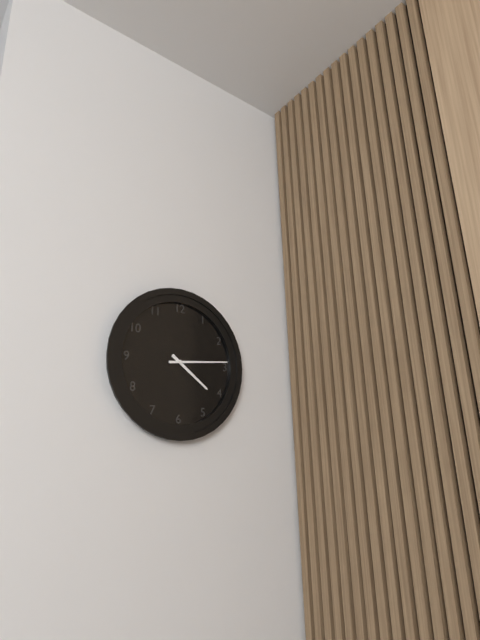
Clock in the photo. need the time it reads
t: 4:14
